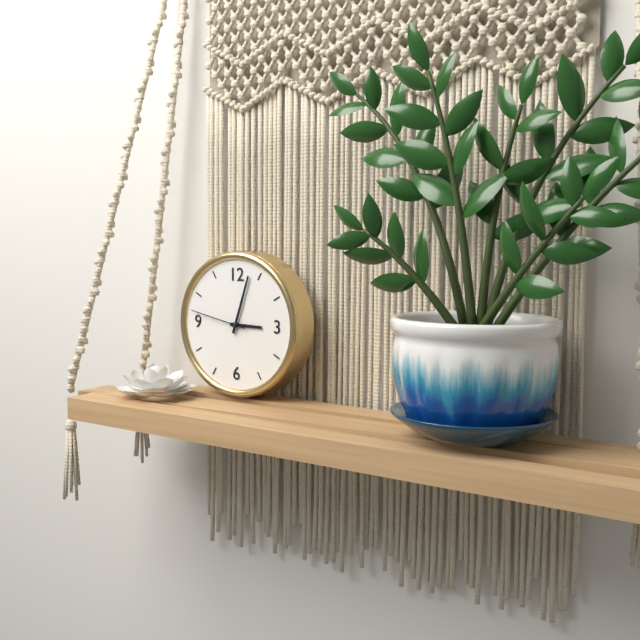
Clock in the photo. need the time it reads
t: 3:03:47
